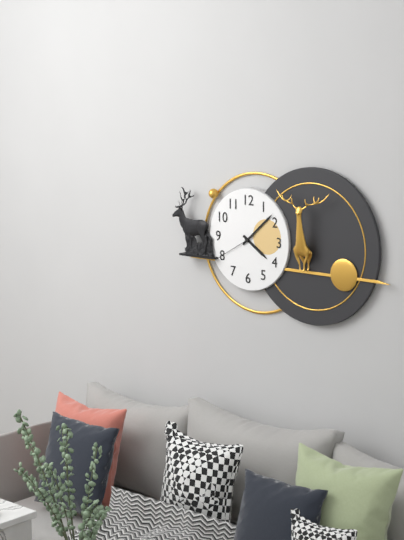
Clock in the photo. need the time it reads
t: 4:08
